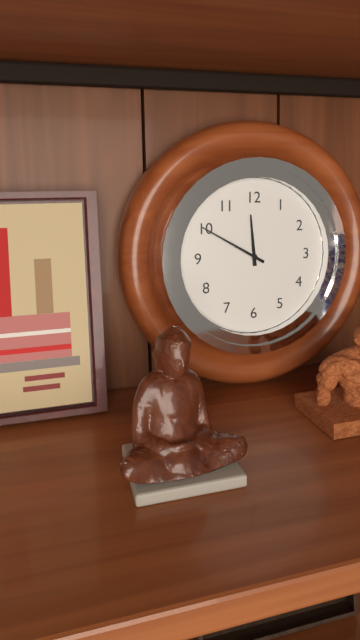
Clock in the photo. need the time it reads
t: 11:50
